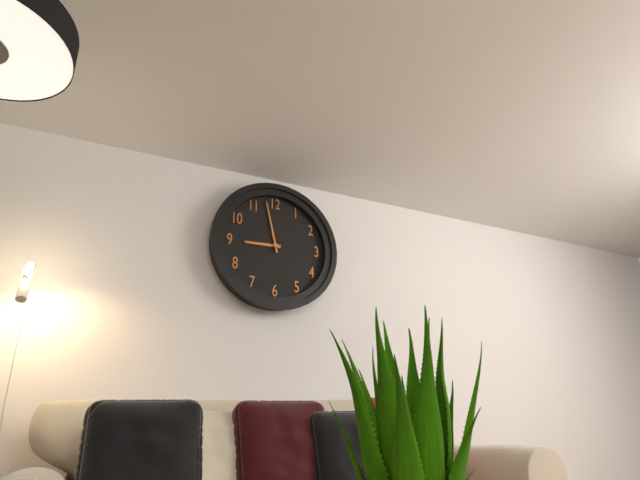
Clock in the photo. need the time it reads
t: 8:58
